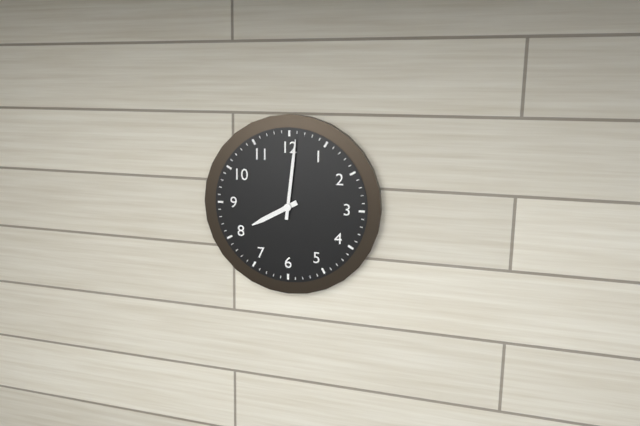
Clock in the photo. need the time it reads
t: 8:01
